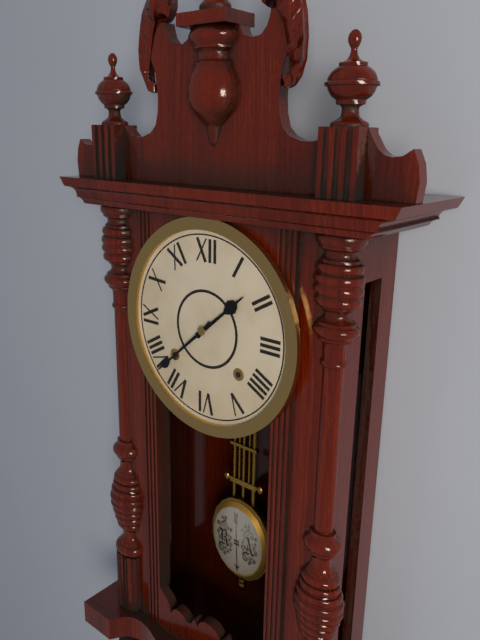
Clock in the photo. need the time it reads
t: 1:38
